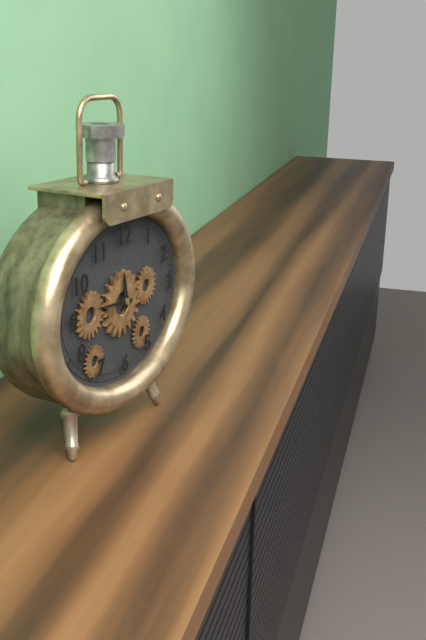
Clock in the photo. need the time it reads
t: 11:46
